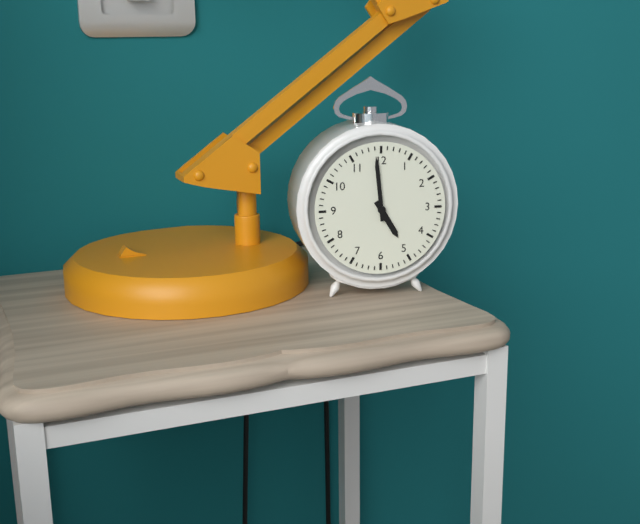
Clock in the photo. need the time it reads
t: 4:59
